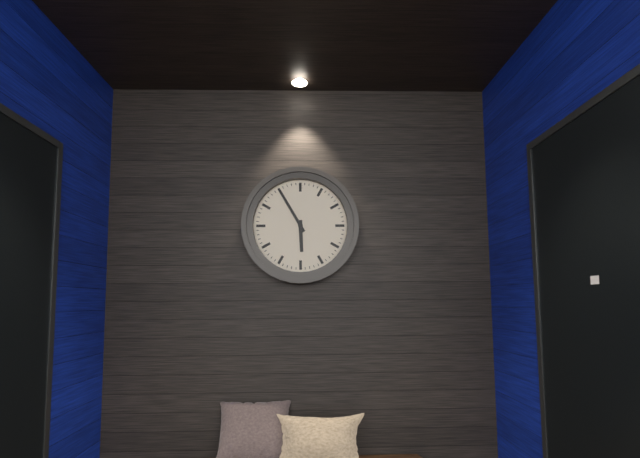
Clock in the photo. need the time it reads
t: 5:55
